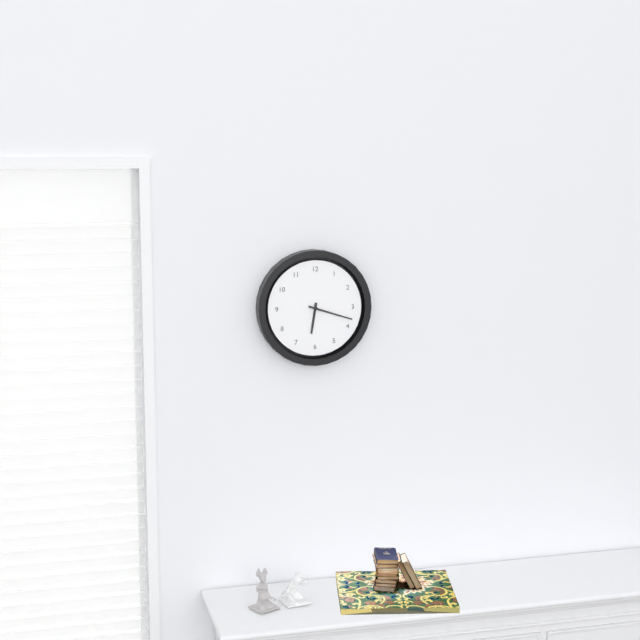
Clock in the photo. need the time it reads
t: 6:18
